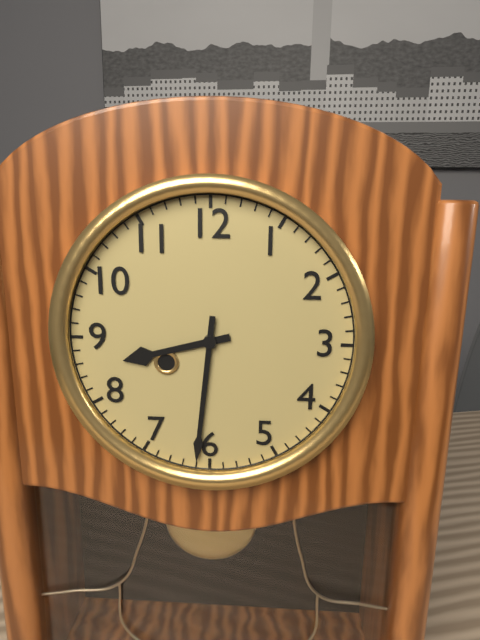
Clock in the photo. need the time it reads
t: 8:31
